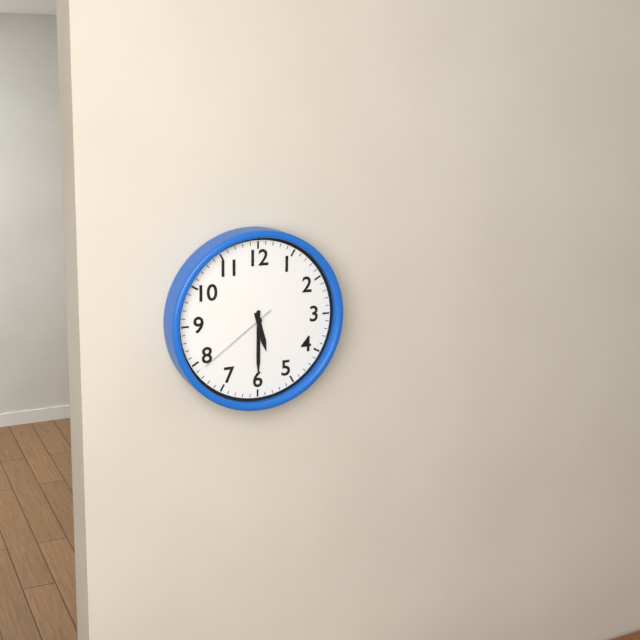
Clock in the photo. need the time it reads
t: 5:30:39
